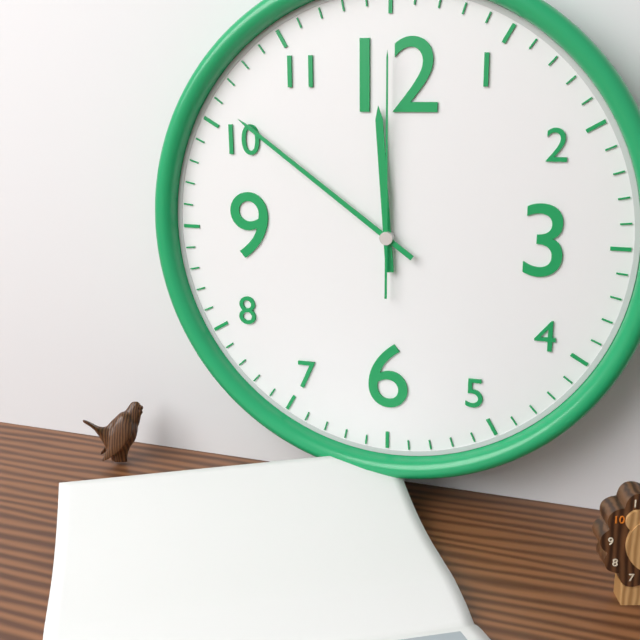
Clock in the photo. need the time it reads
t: 11:51:00
